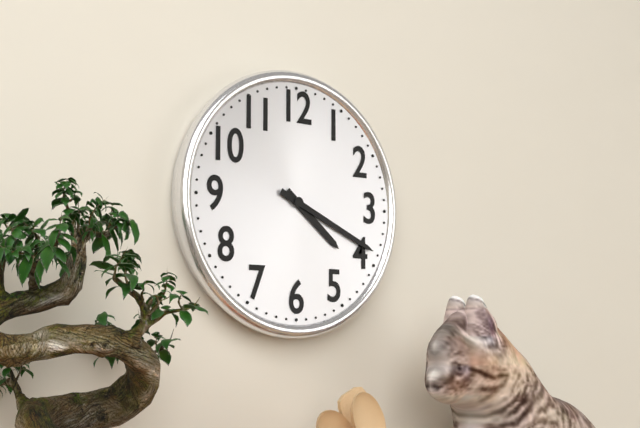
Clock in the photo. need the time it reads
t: 4:19
